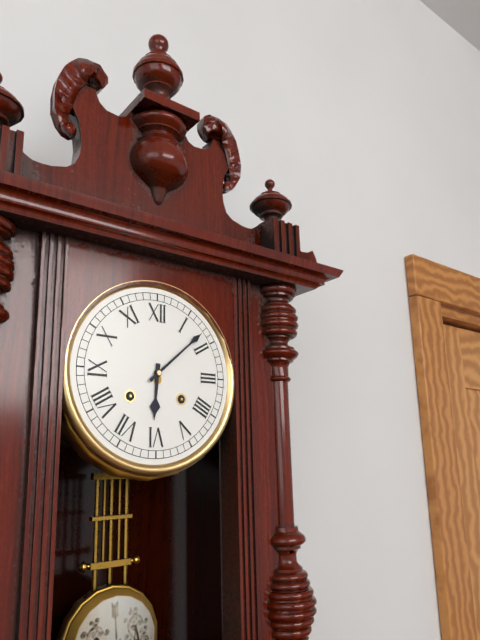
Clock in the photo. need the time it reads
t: 6:08
